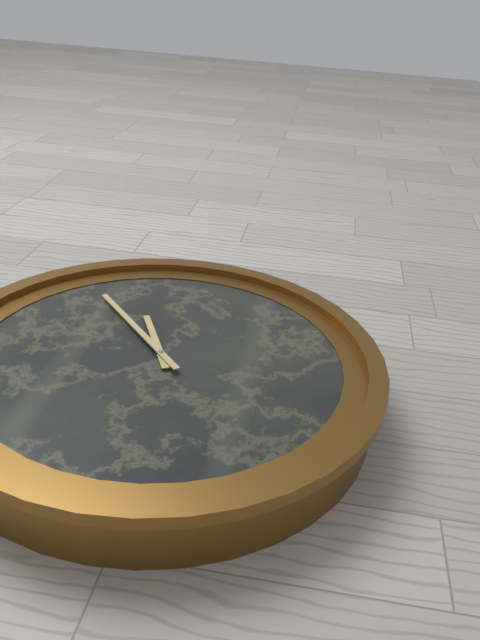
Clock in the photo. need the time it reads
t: 2:08
